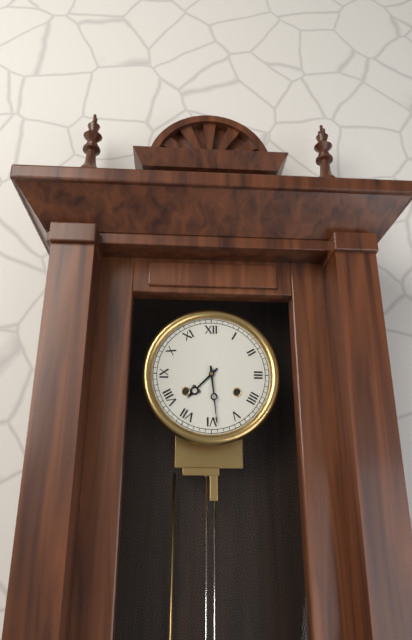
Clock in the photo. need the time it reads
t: 7:29
